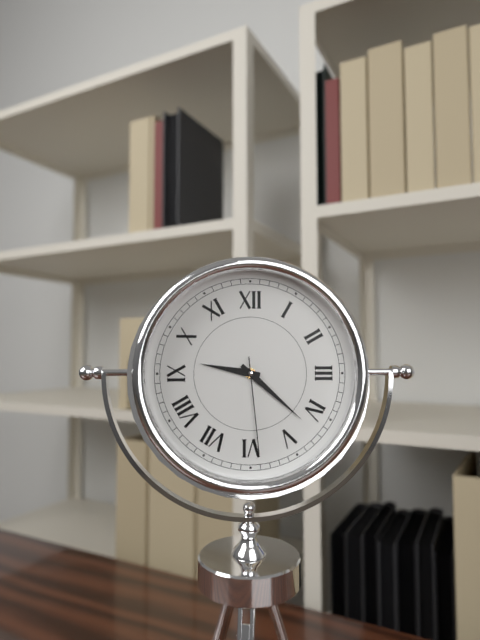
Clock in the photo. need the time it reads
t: 9:22:29
